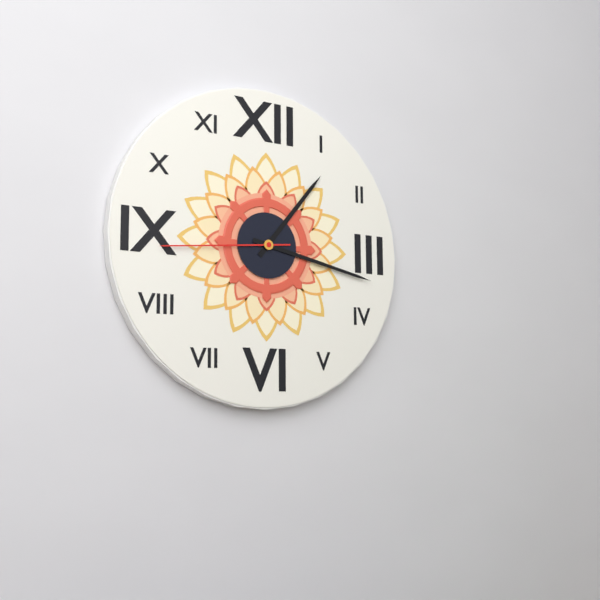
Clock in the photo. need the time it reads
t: 1:17:44
